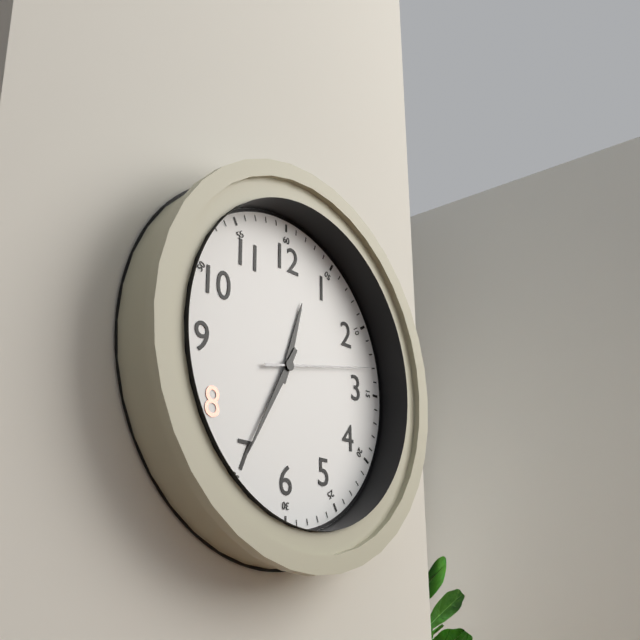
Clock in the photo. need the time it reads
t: 12:35:13
